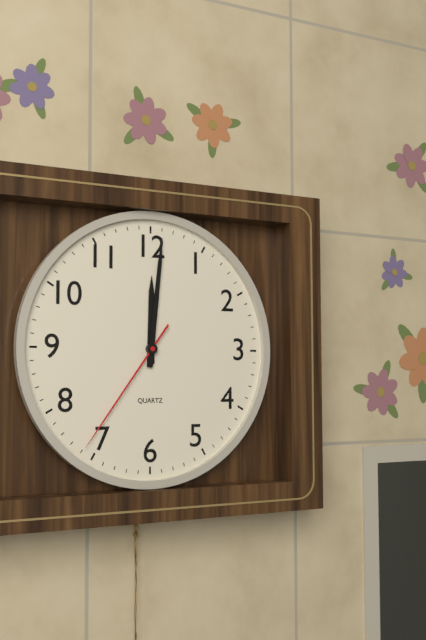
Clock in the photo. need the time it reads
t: 12:01:36
